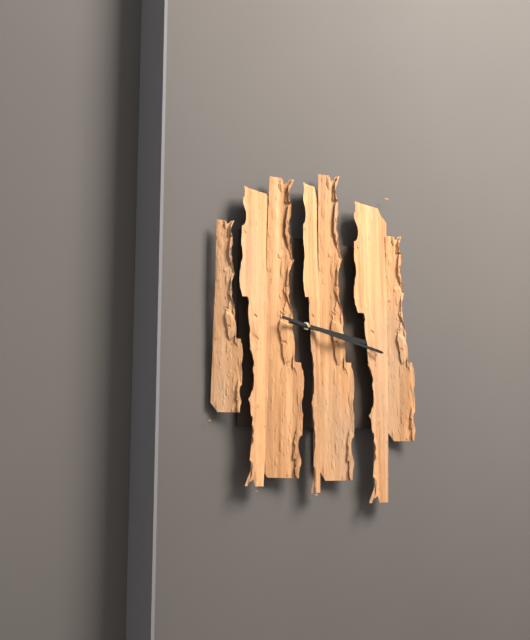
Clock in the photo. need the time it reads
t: 3:17
